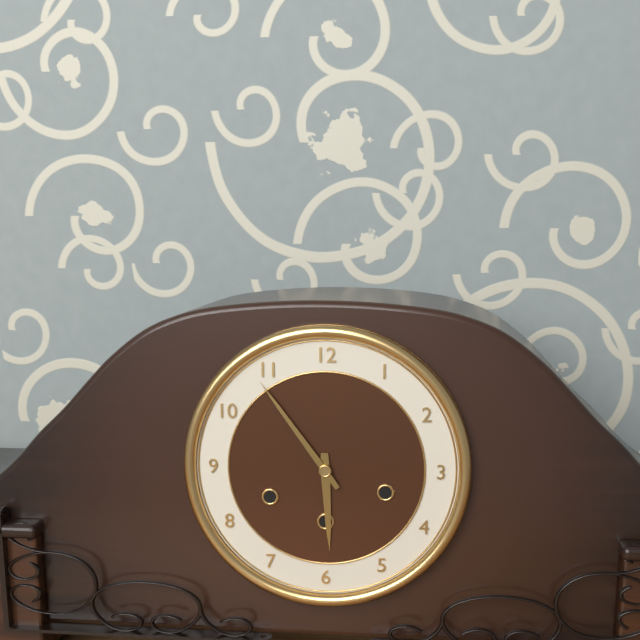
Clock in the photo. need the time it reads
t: 5:54
